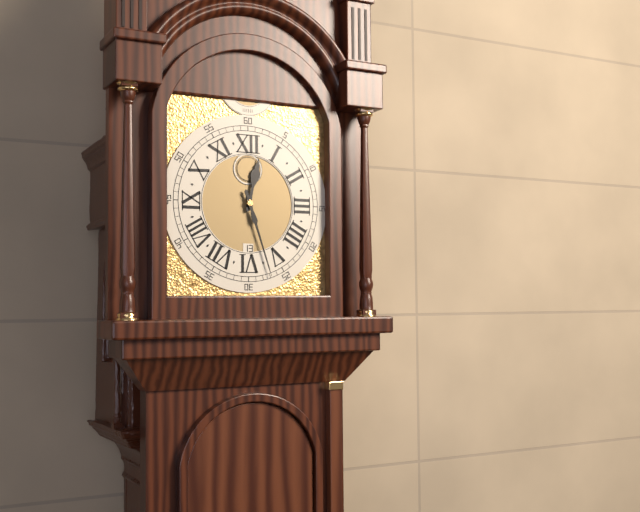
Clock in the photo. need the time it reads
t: 12:27
